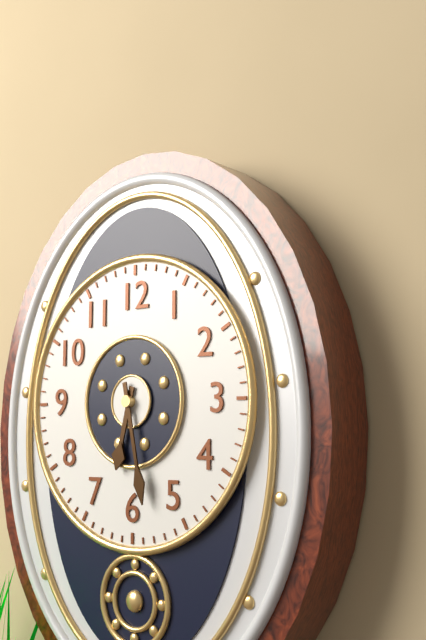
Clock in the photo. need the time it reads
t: 6:28
